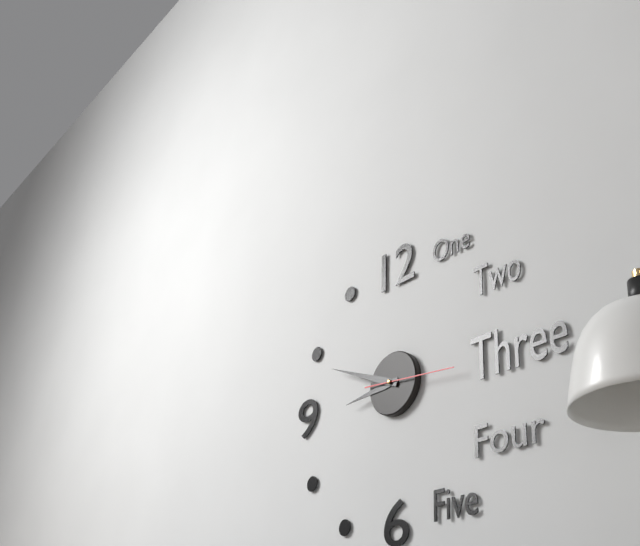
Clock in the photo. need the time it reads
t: 8:49:16
